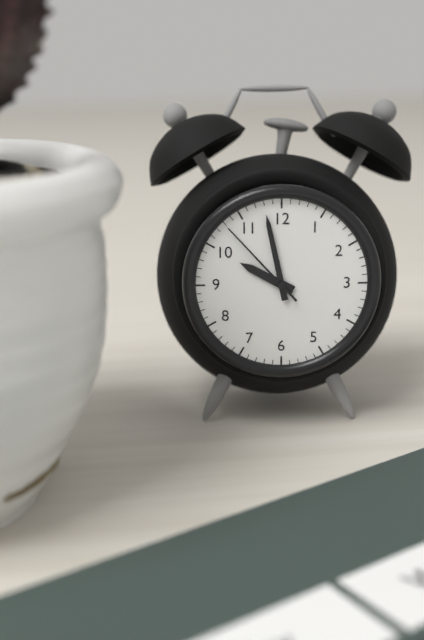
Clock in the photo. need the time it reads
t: 9:58:53
